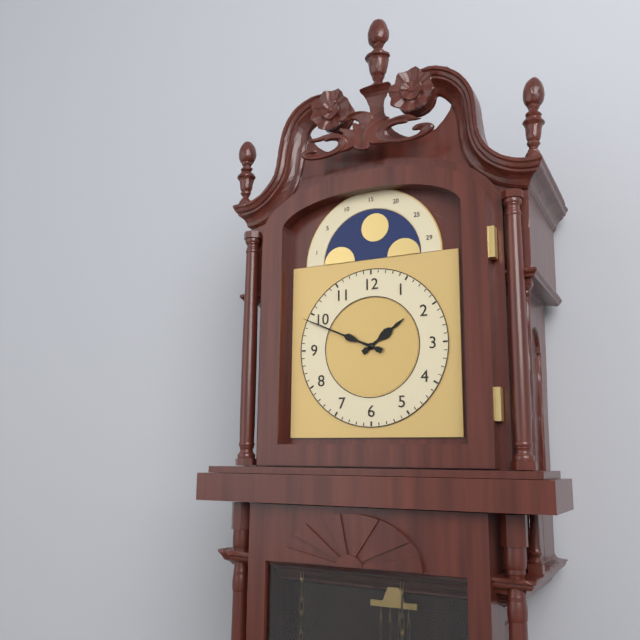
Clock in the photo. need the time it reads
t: 1:49
